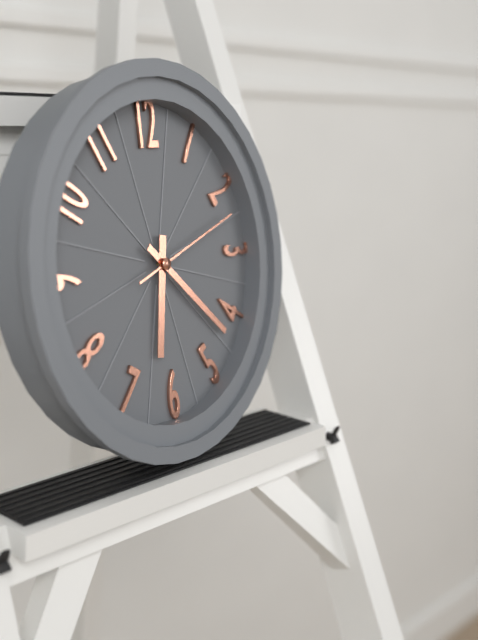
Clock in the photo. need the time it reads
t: 6:22:12
